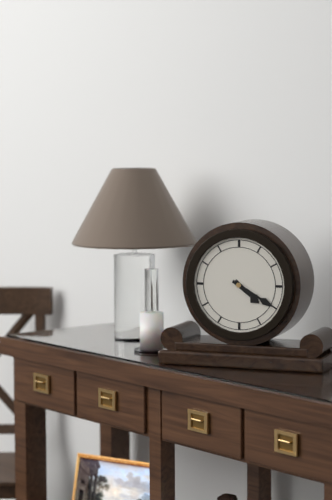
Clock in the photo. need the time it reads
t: 4:20
